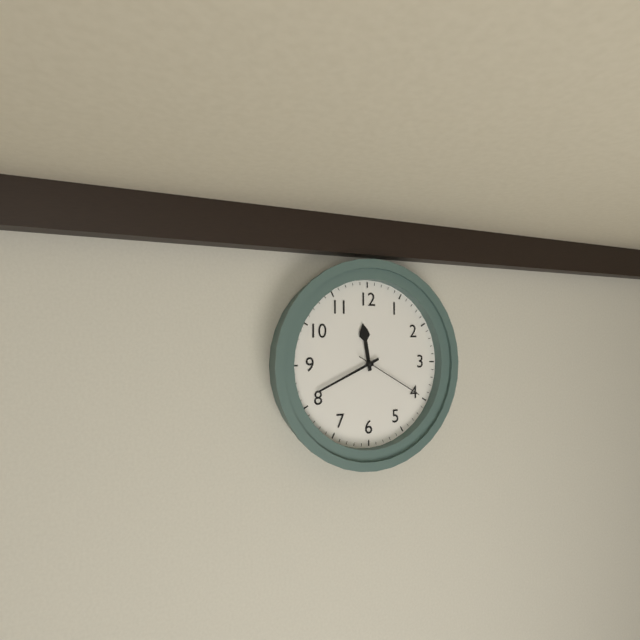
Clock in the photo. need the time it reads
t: 11:41:20
